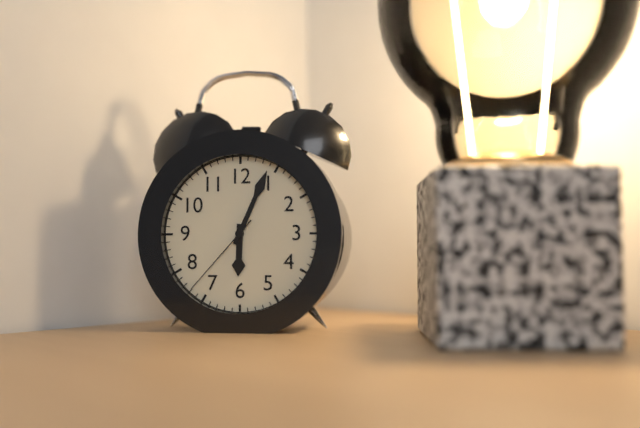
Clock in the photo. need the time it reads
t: 6:04:37
